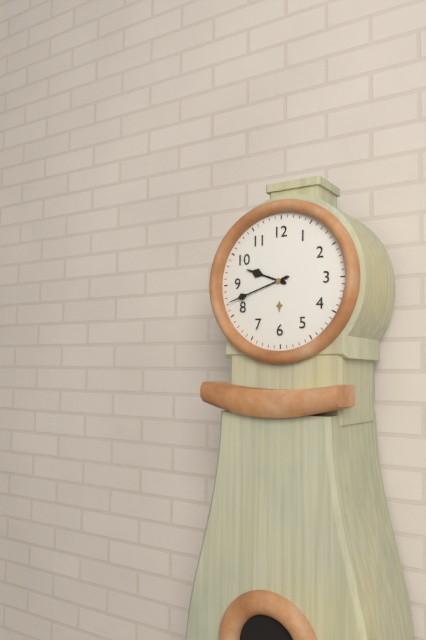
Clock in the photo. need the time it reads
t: 9:42
